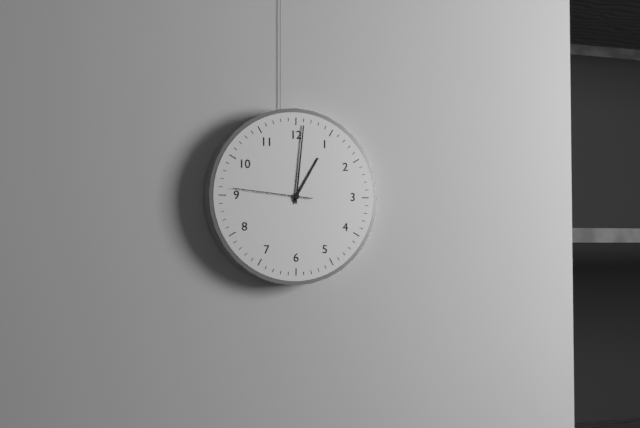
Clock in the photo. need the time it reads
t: 1:01:46
